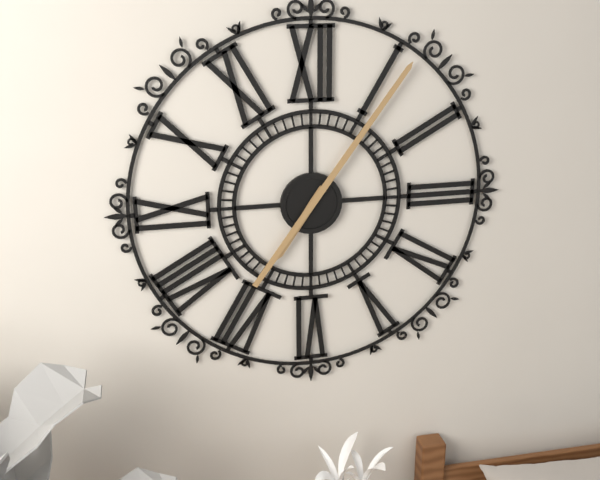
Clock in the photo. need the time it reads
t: 7:06
